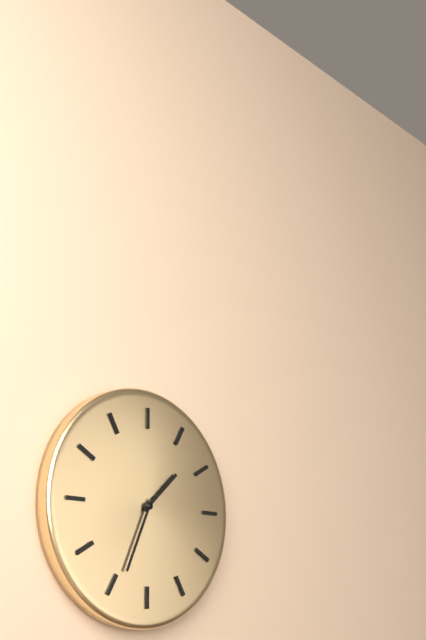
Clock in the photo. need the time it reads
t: 1:34
